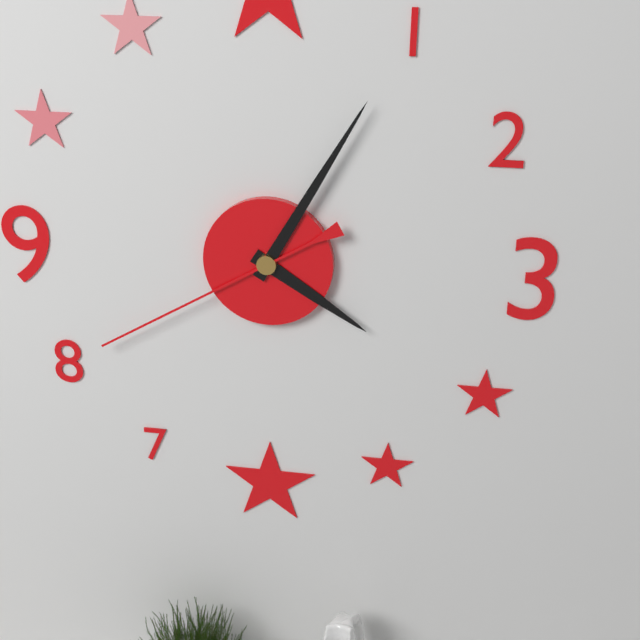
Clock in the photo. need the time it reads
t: 4:05:40
